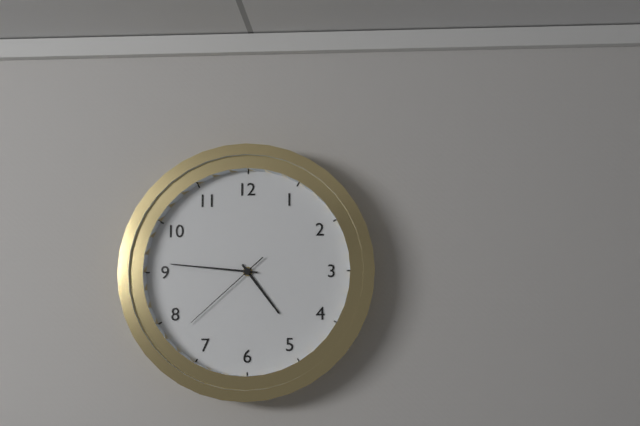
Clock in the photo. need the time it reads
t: 4:46:38
